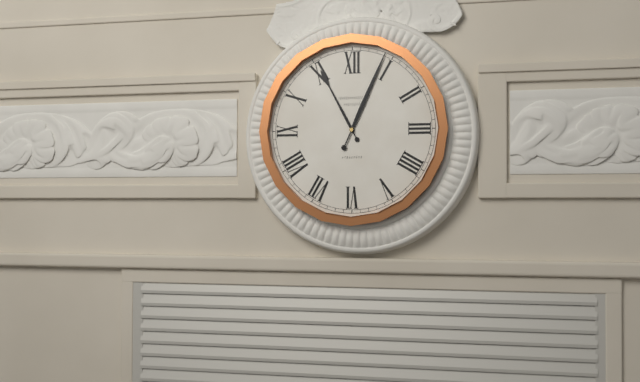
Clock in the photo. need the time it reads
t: 11:04
